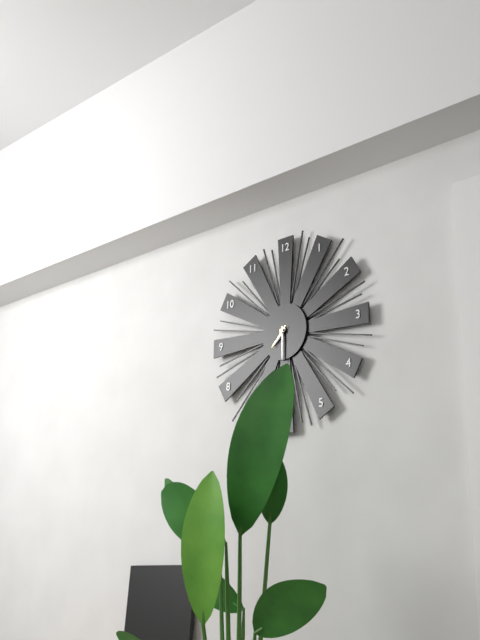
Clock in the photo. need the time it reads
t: 7:30
